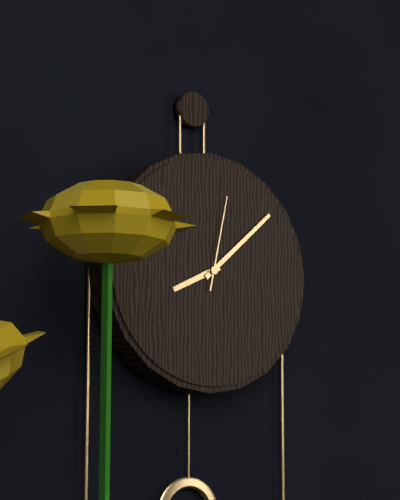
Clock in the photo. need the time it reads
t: 8:08:02
